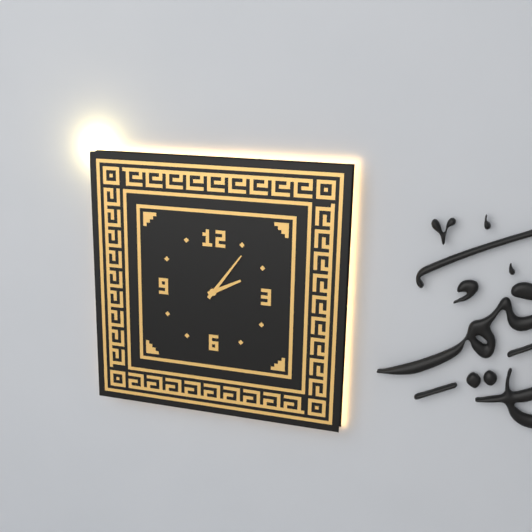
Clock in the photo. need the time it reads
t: 2:06
